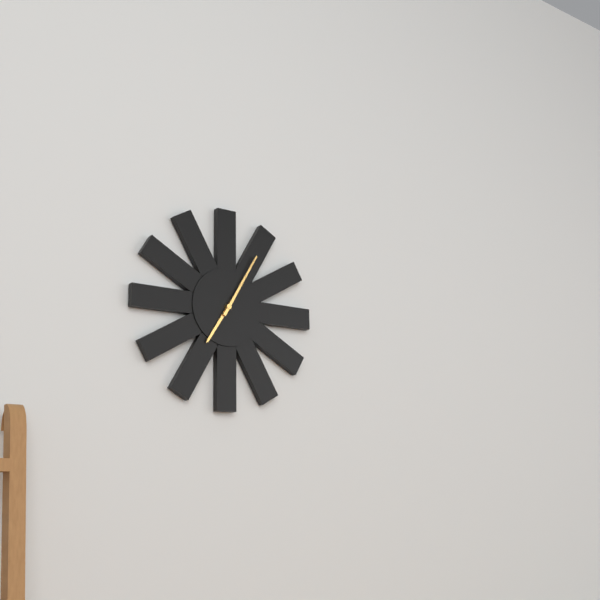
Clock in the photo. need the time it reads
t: 7:05
